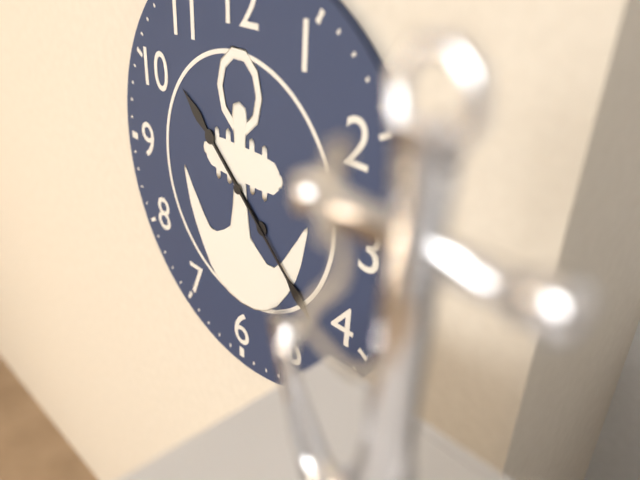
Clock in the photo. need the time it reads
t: 10:22
